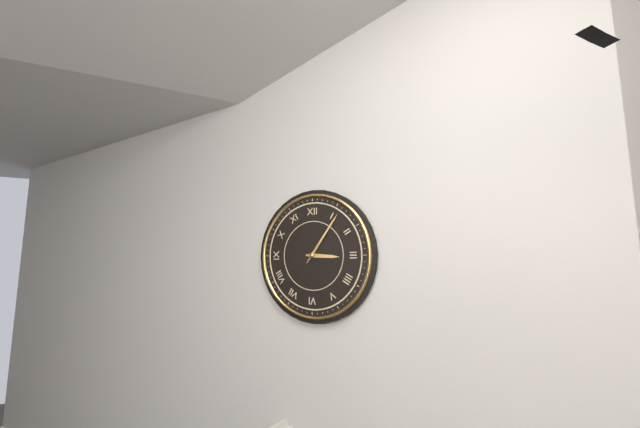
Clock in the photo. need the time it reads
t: 3:06
